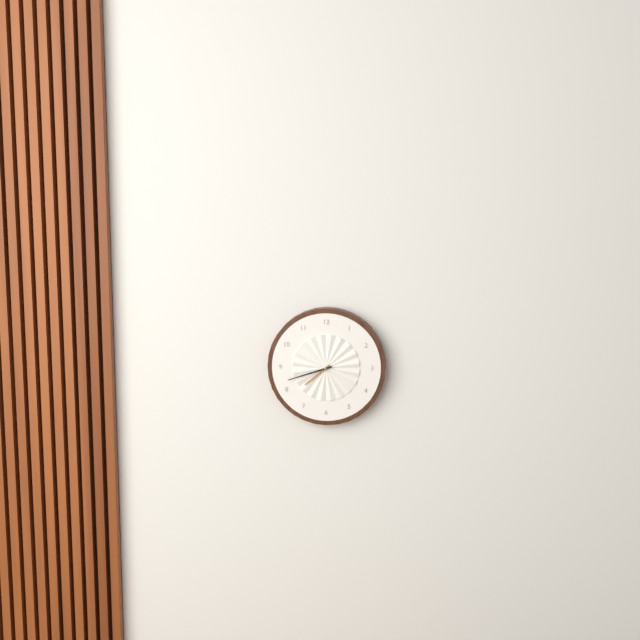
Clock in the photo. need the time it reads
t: 7:42
